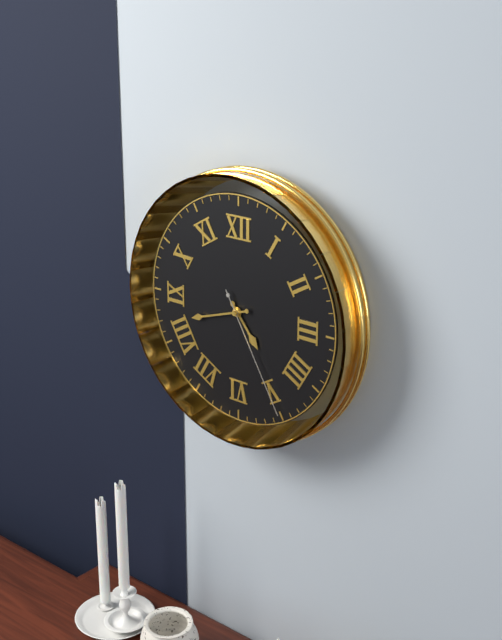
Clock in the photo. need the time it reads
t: 4:42:25
